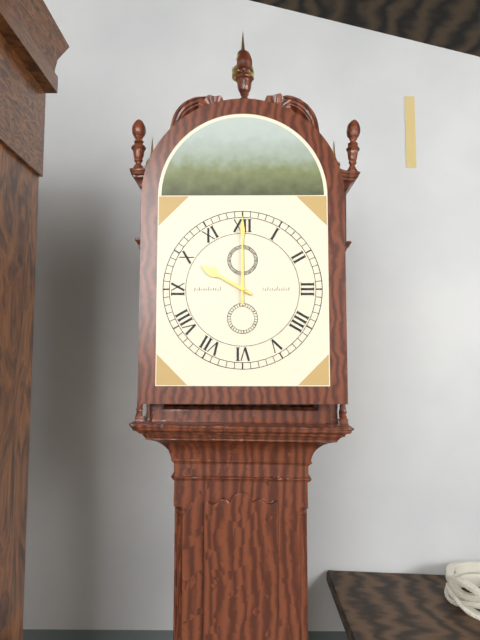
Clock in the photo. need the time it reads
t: 10:00
